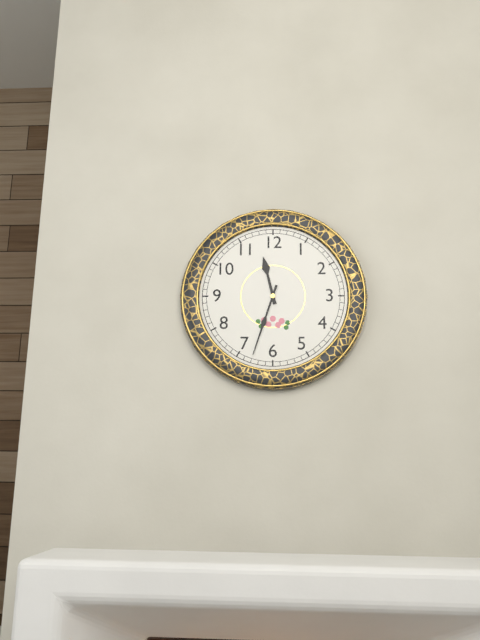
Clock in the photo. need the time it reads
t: 11:33
